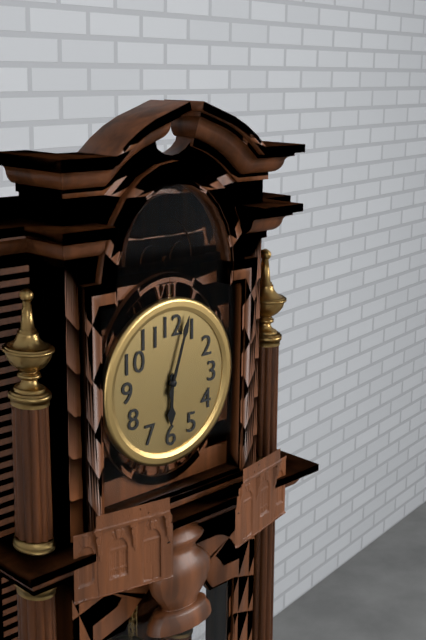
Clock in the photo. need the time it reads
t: 6:03
